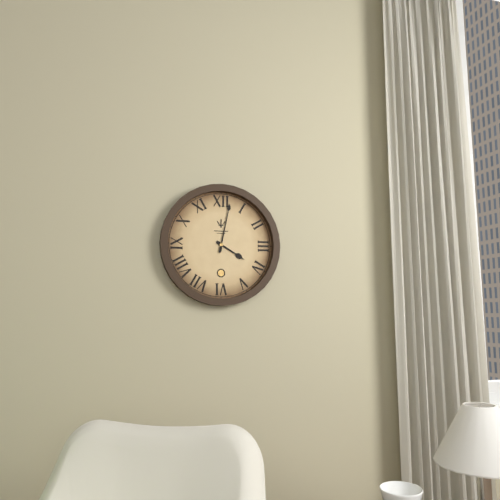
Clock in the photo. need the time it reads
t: 4:02
